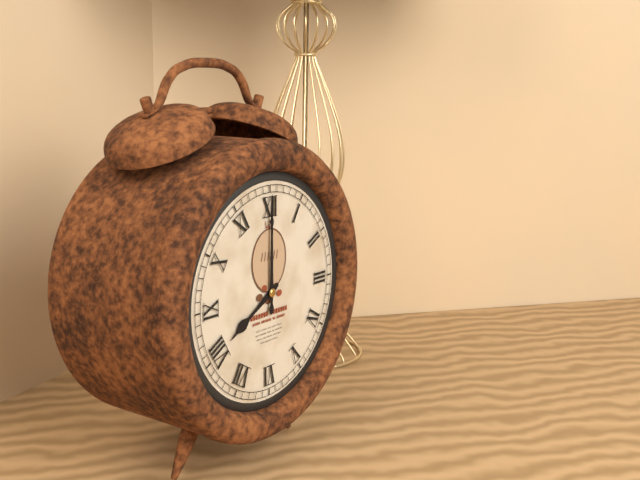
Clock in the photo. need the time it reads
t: 8:00
